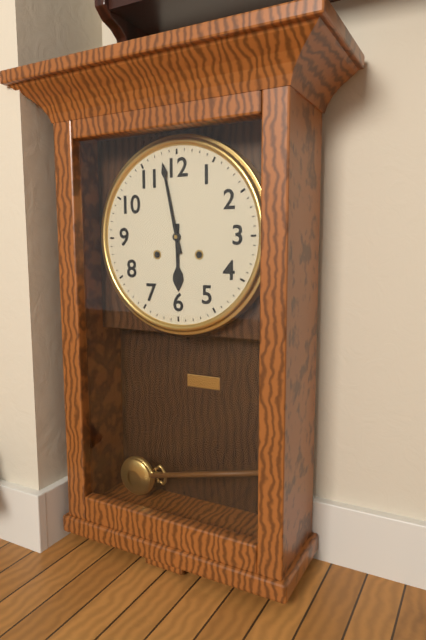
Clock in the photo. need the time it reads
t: 5:58
